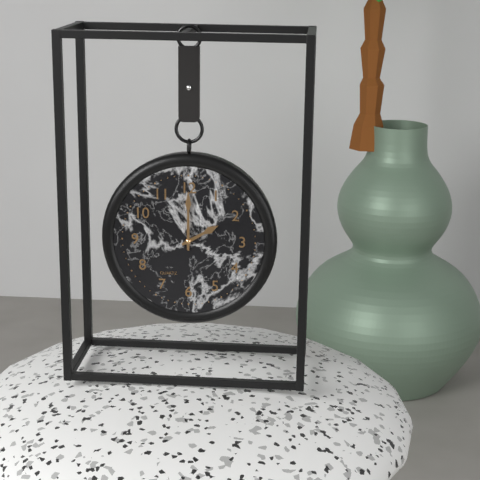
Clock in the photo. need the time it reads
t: 2:00
